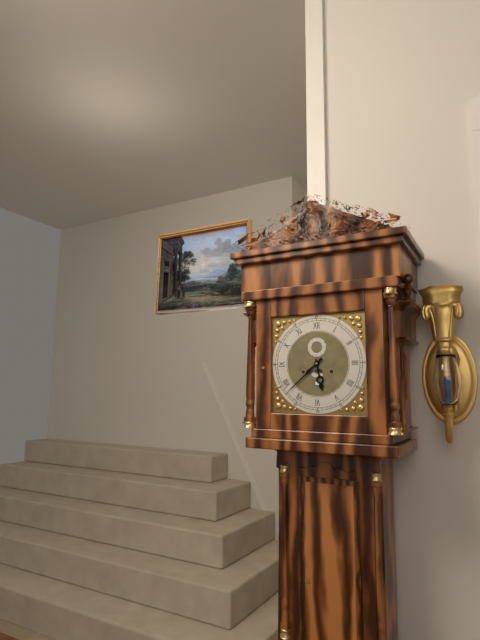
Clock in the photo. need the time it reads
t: 5:38
